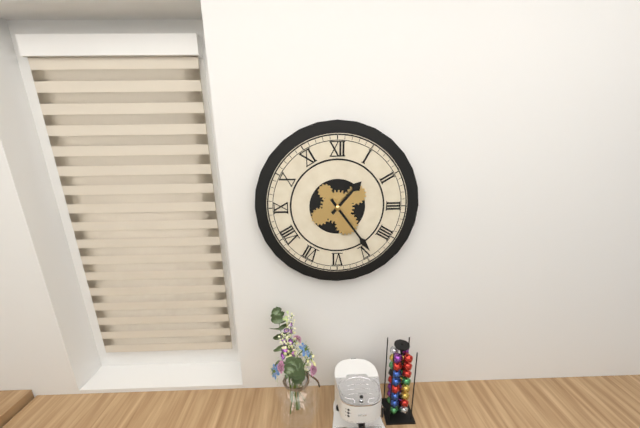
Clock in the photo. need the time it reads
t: 1:24
